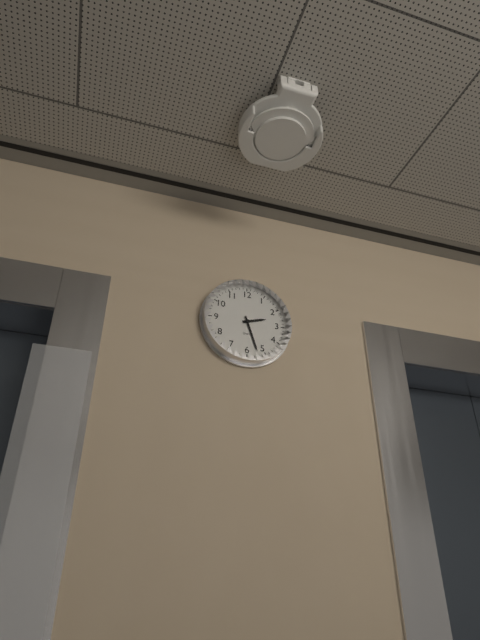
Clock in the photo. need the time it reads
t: 2:27
